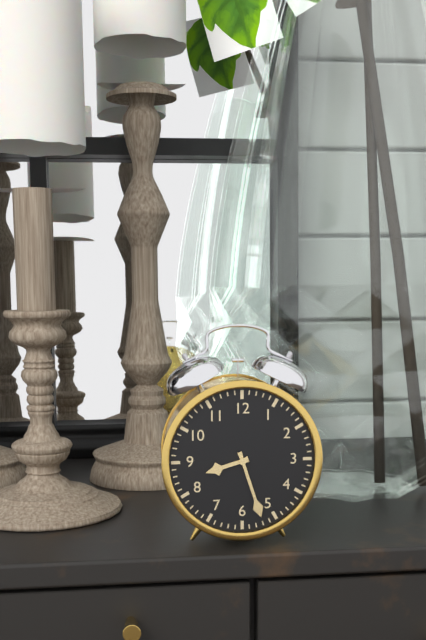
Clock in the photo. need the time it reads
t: 8:27
